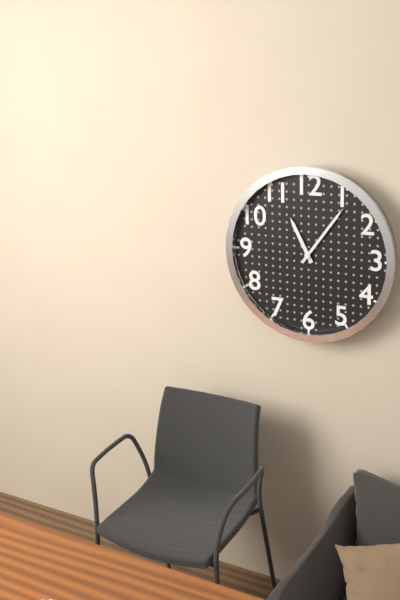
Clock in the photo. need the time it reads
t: 11:06
